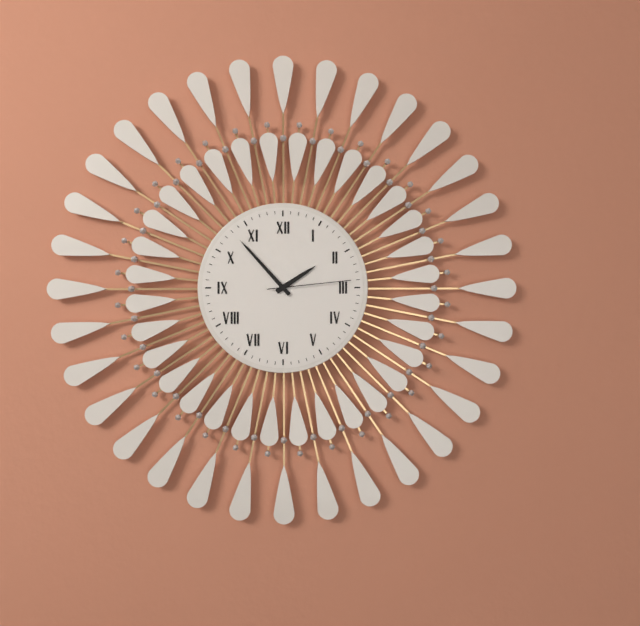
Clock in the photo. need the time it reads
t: 1:53:14
